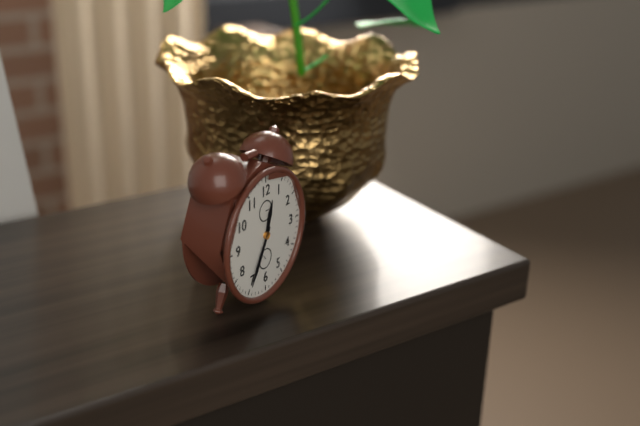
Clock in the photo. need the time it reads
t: 12:35
